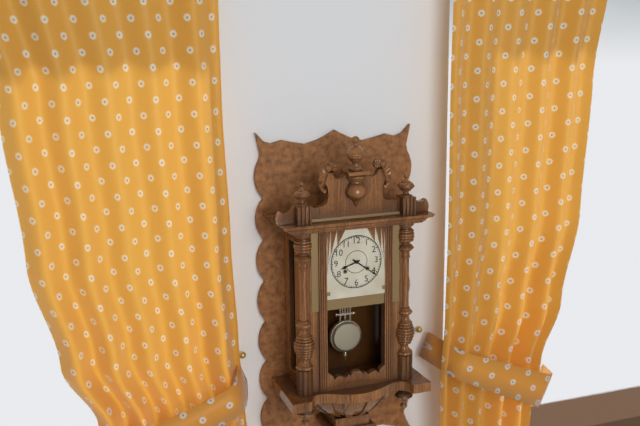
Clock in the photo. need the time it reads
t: 8:21
